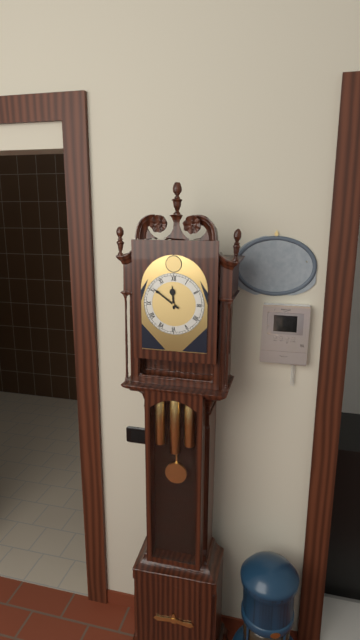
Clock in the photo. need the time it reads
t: 11:51
